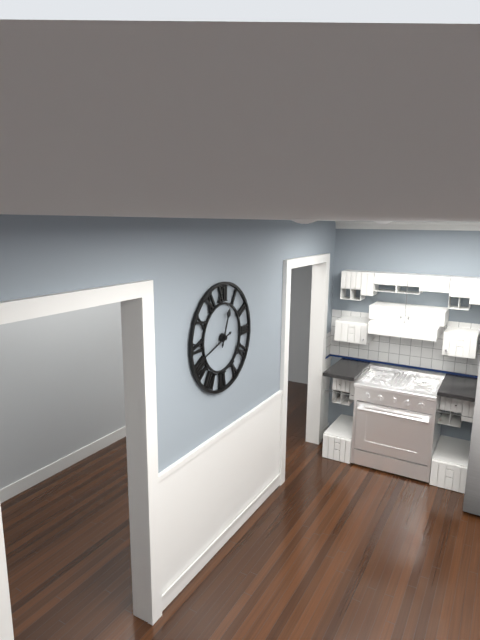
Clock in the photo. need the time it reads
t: 12:42
